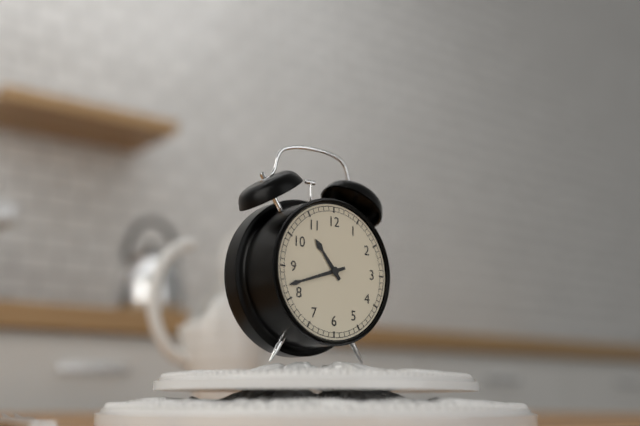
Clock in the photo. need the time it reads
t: 10:42
